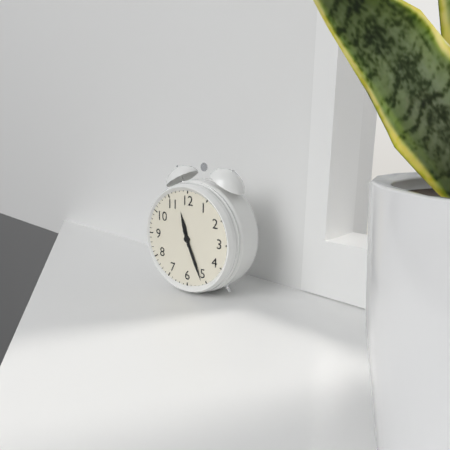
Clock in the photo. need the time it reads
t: 11:26
